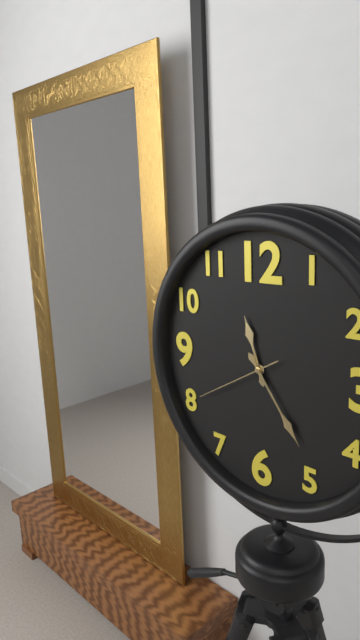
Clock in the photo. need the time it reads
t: 11:24:40
